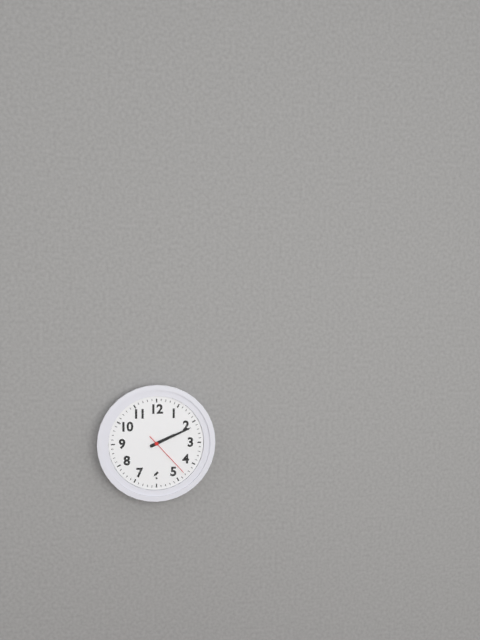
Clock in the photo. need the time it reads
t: 2:11
